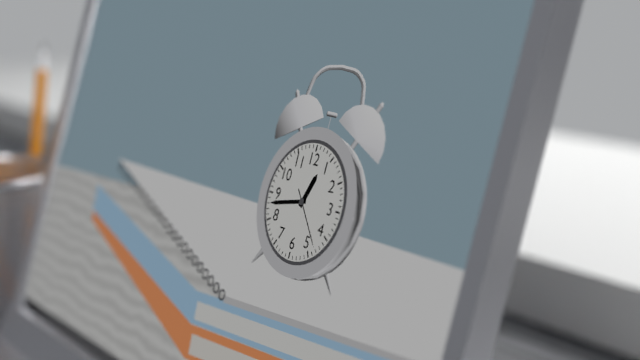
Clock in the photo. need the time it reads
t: 12:43:23
